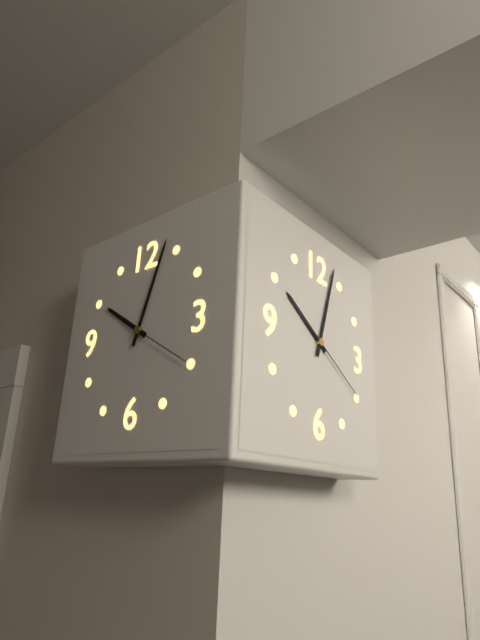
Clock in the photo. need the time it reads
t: 10:03:20
